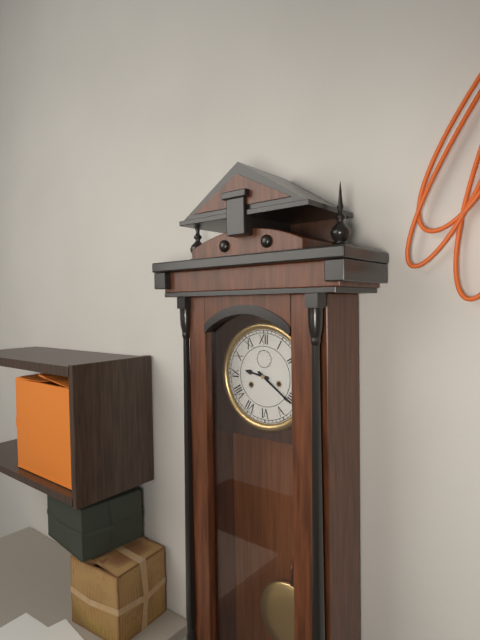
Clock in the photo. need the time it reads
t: 9:21
